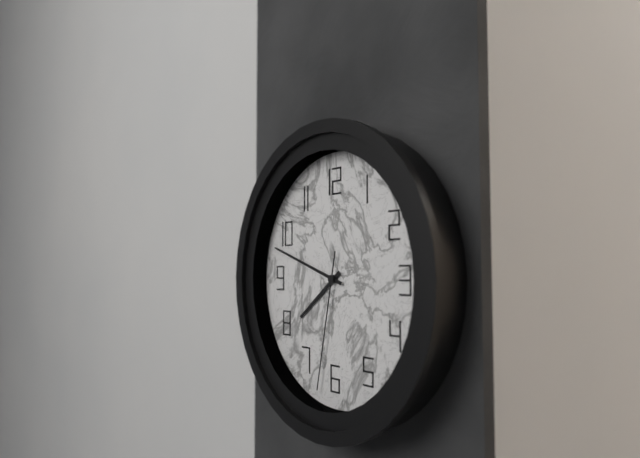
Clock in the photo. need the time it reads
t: 7:48:32
